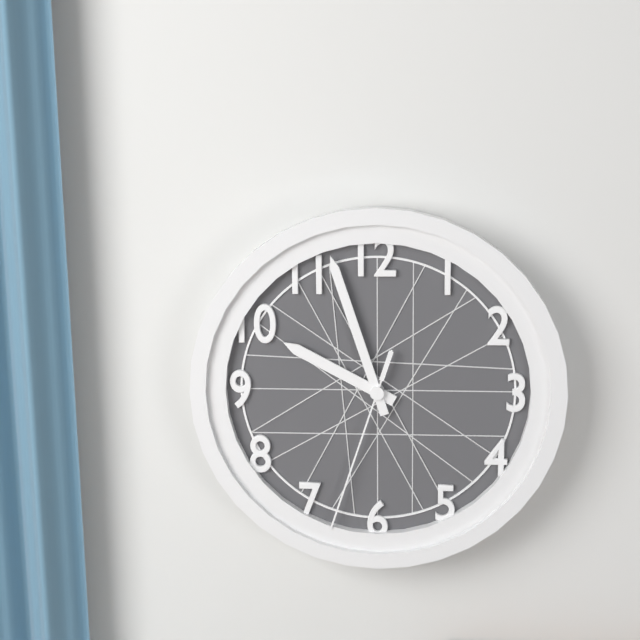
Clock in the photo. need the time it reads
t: 9:57:33
